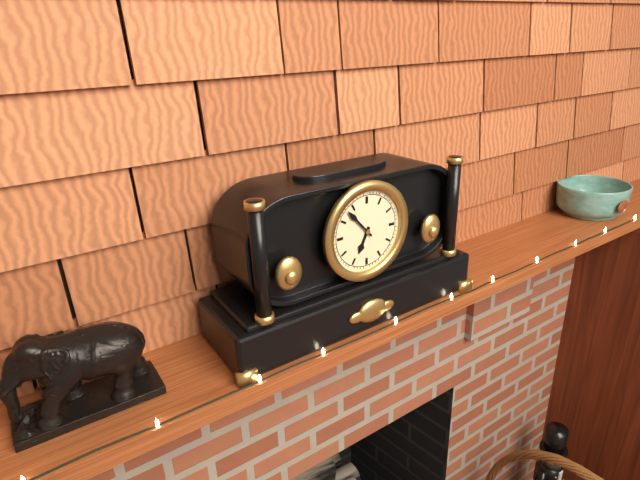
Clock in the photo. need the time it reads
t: 6:53
